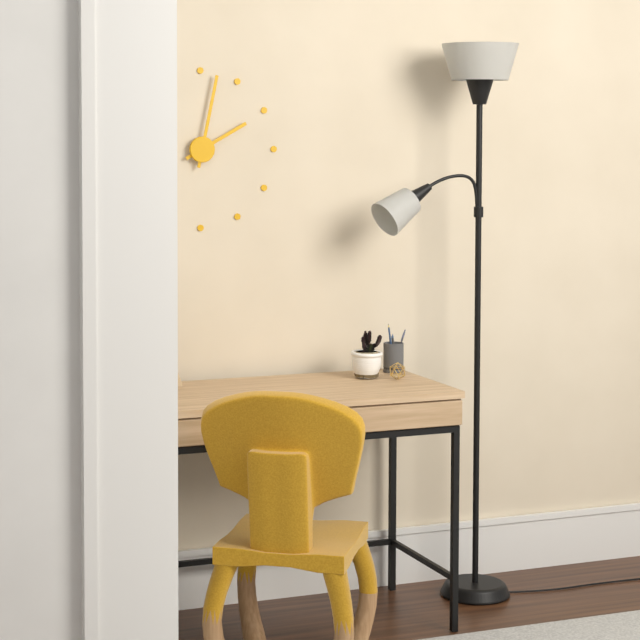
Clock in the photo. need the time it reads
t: 2:02
